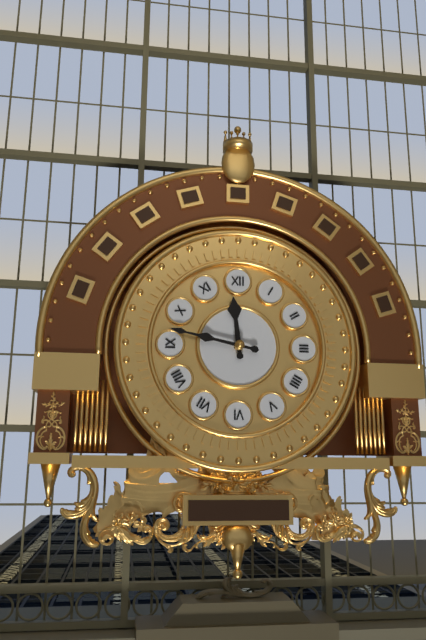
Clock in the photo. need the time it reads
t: 11:47
